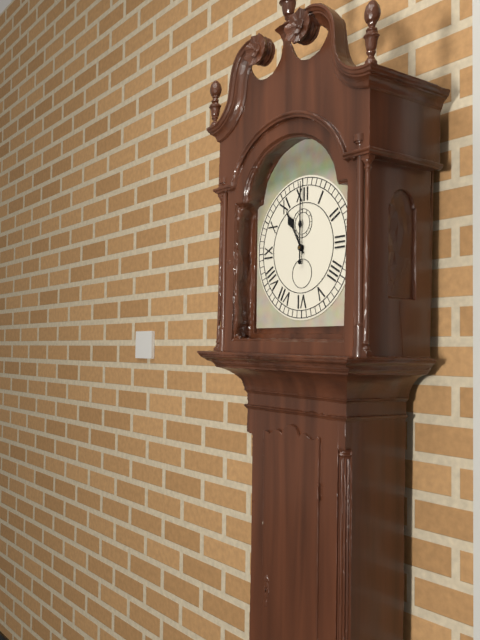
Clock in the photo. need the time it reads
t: 11:00
